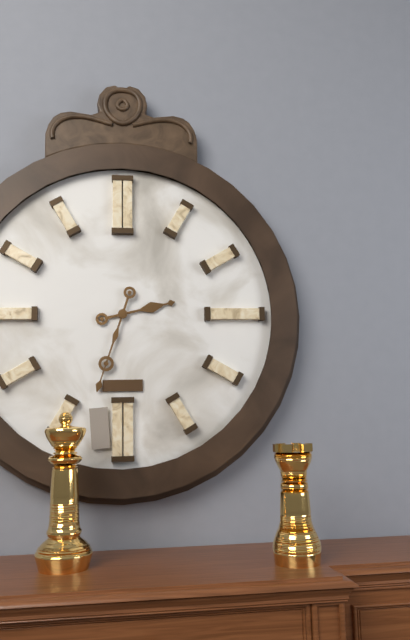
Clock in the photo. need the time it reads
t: 2:33
